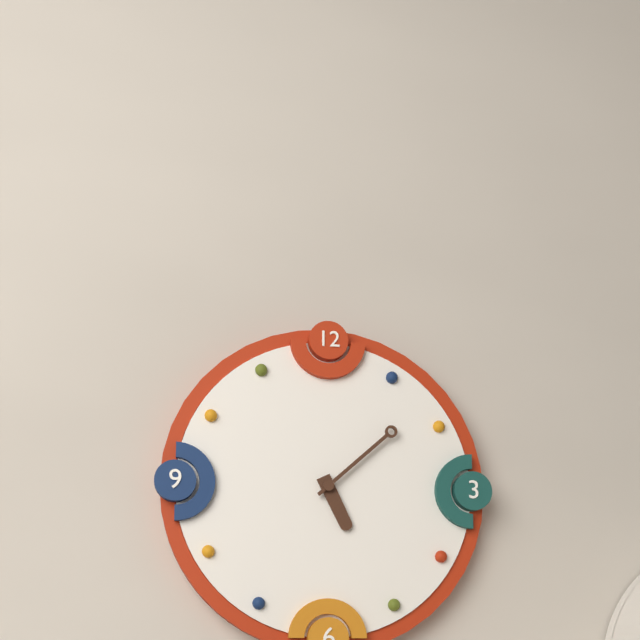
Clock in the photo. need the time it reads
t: 5:08
